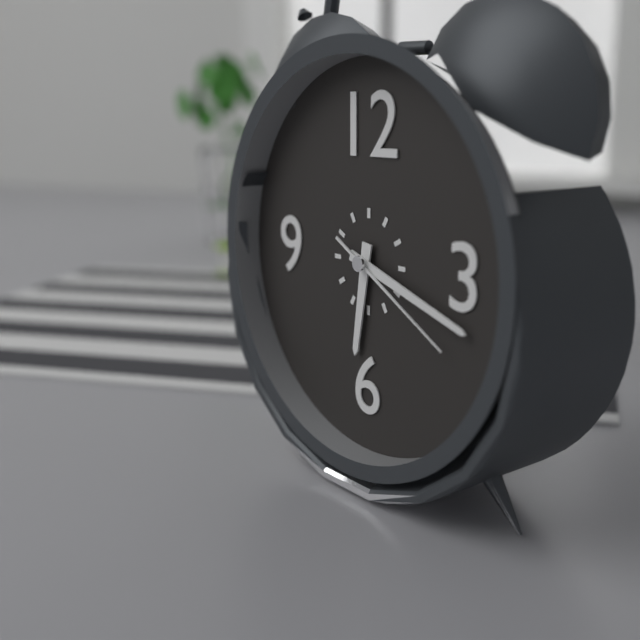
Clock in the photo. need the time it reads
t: 6:18:20
